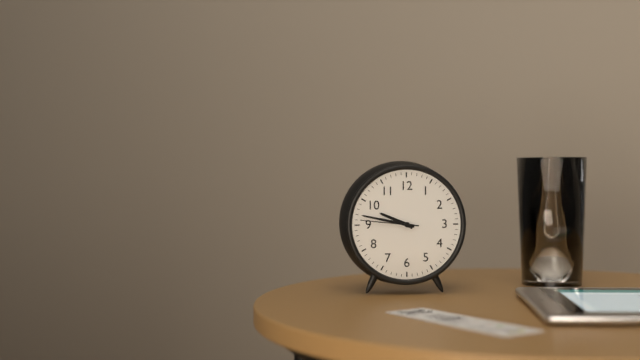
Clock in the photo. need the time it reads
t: 9:47:46
